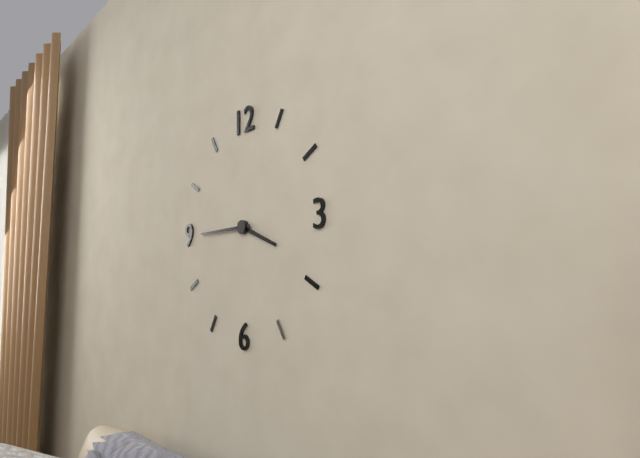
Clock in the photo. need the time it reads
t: 3:45
